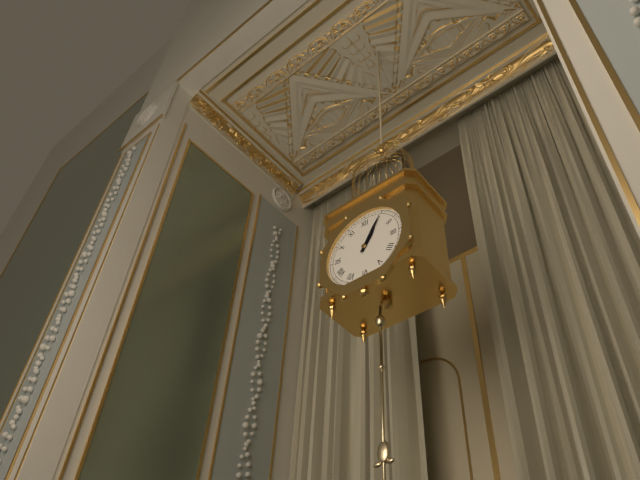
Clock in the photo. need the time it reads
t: 1:05
